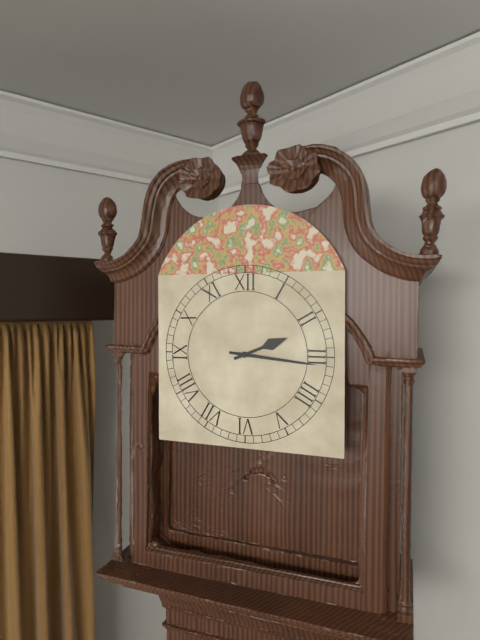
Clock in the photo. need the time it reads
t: 2:16
